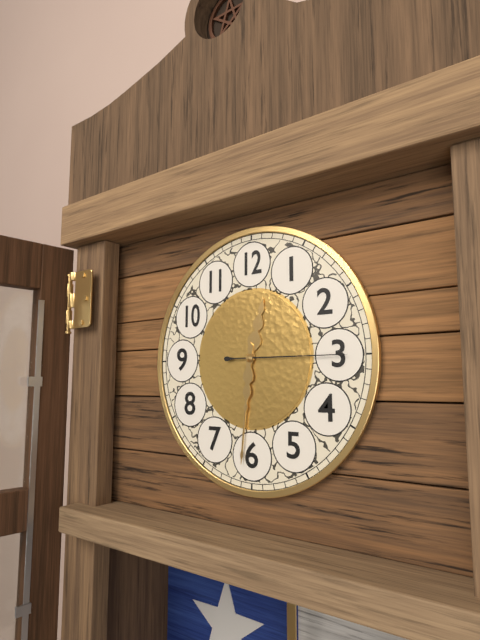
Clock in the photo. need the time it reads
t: 12:31:15
